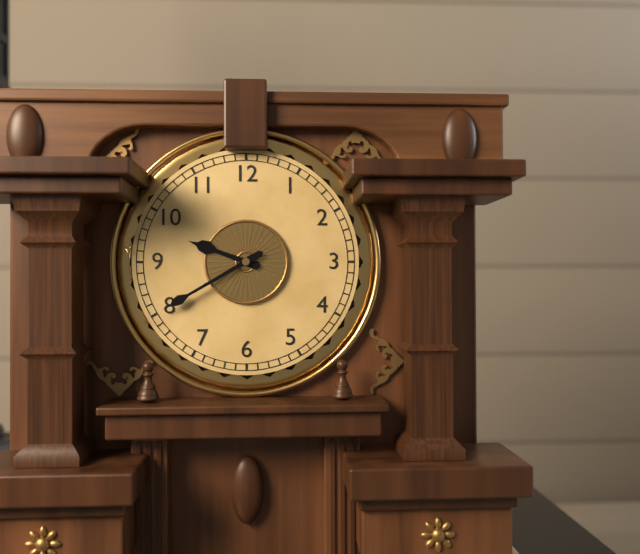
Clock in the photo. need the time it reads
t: 9:40
